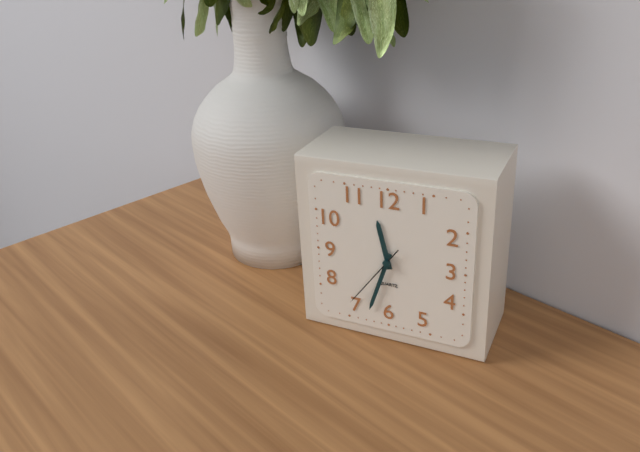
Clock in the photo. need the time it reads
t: 11:33:36
